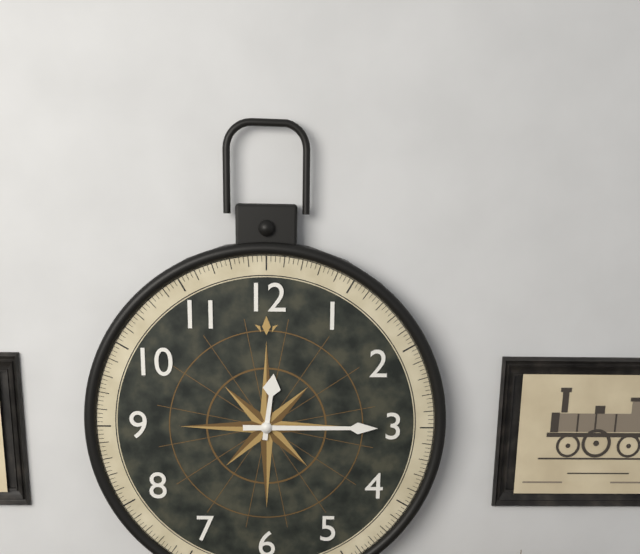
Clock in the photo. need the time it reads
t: 12:15
